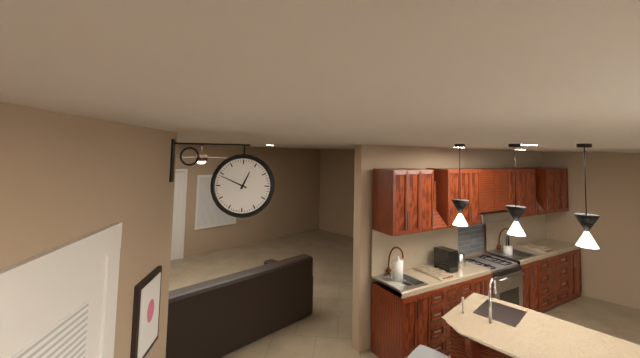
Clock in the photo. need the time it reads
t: 12:49
